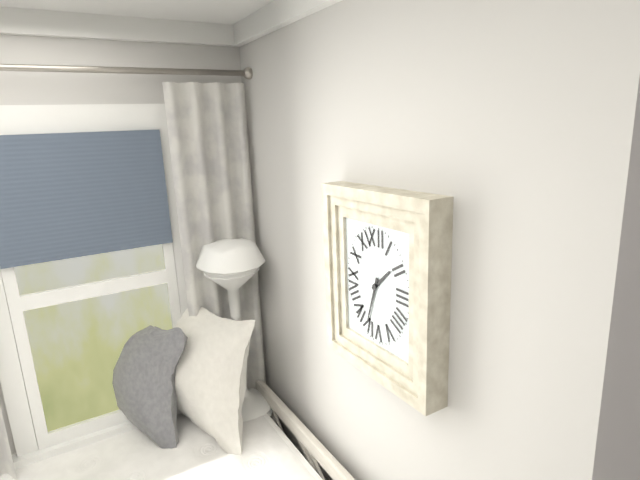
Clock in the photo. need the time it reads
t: 1:33
